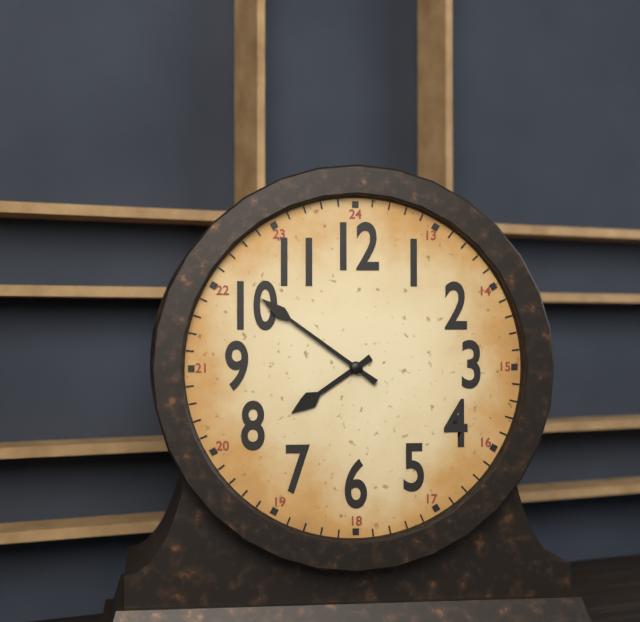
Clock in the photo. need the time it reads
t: 7:51
